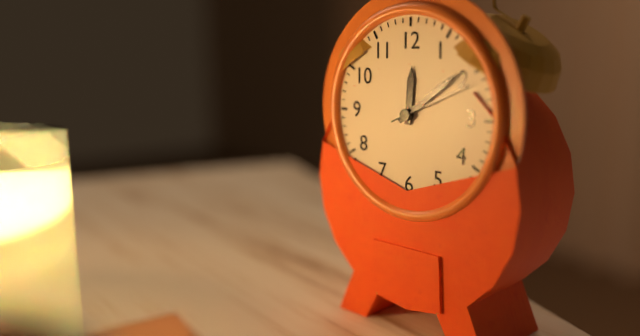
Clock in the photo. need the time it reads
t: 12:09:11
